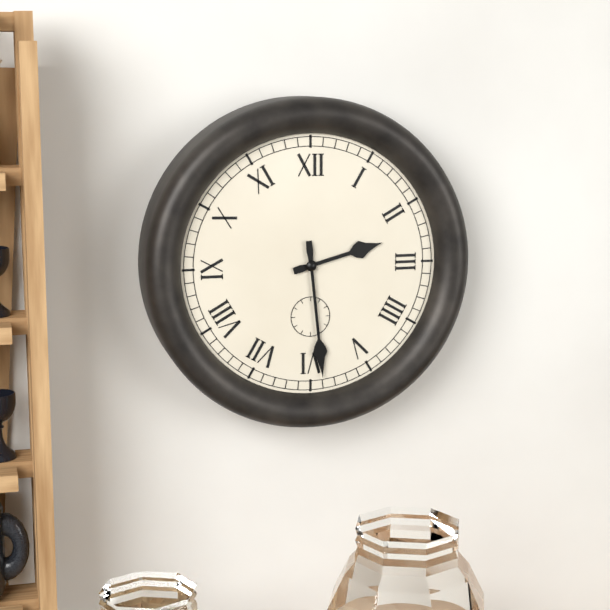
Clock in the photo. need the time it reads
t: 2:29
